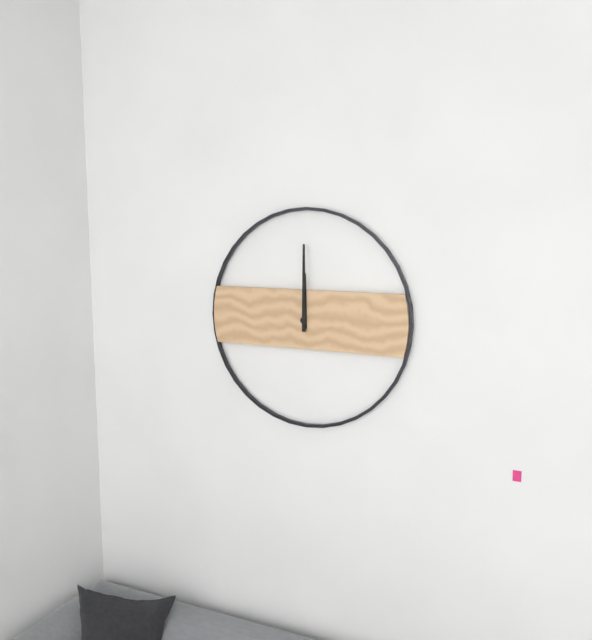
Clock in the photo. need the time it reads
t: 12:00
